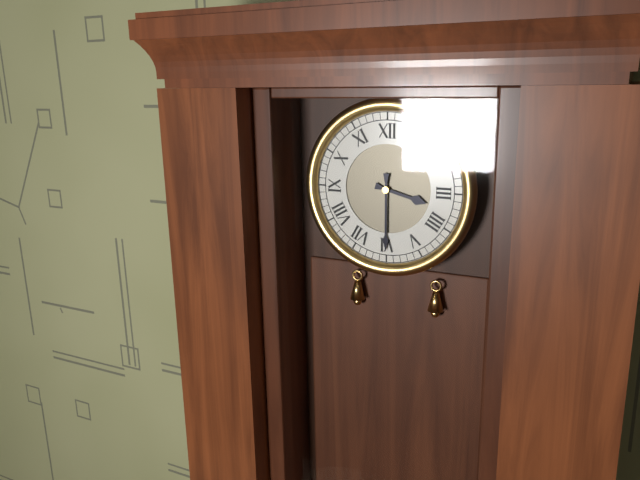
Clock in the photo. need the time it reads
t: 3:30
